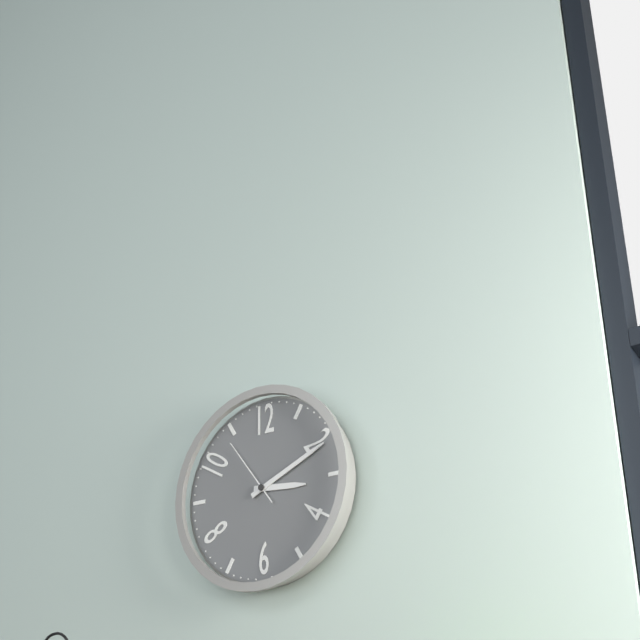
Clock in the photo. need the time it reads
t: 3:11:54
